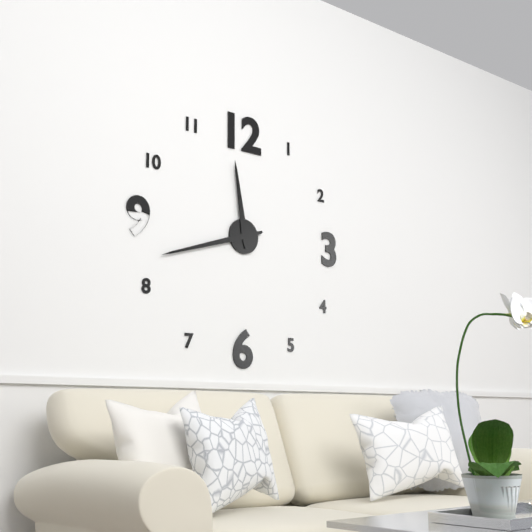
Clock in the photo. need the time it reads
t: 11:42
